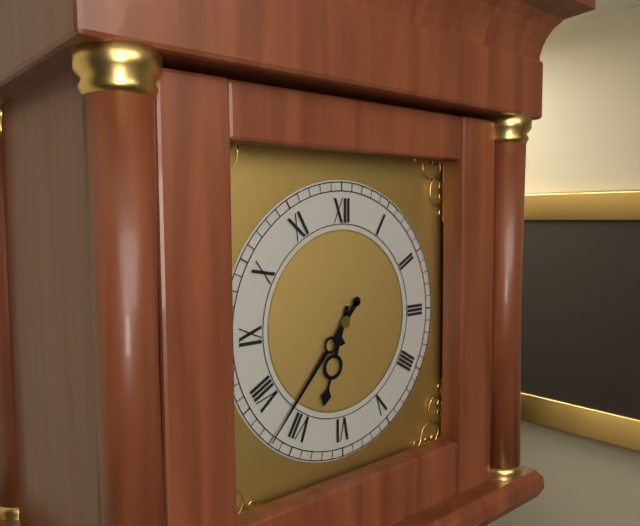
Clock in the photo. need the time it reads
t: 6:37
